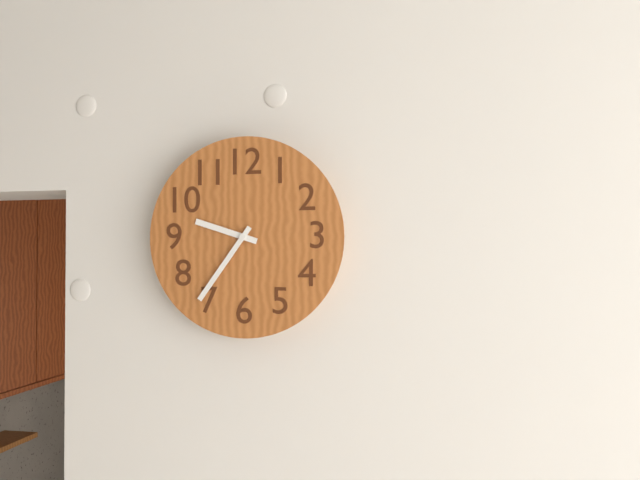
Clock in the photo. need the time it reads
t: 9:36
